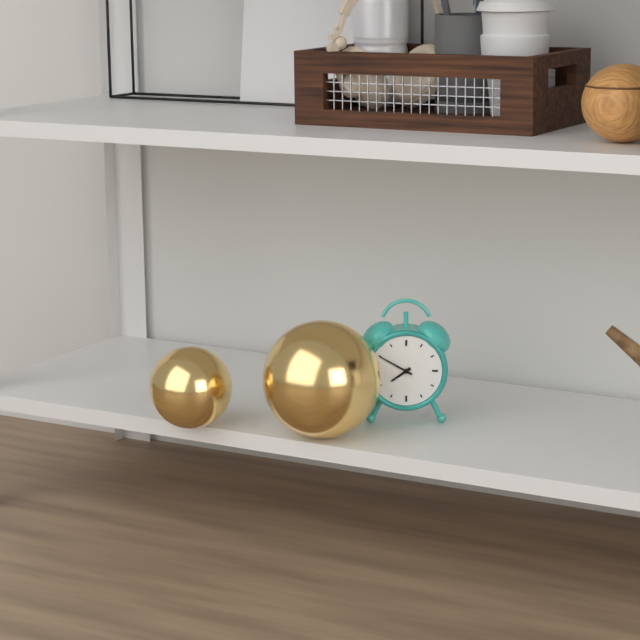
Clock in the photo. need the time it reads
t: 7:50
